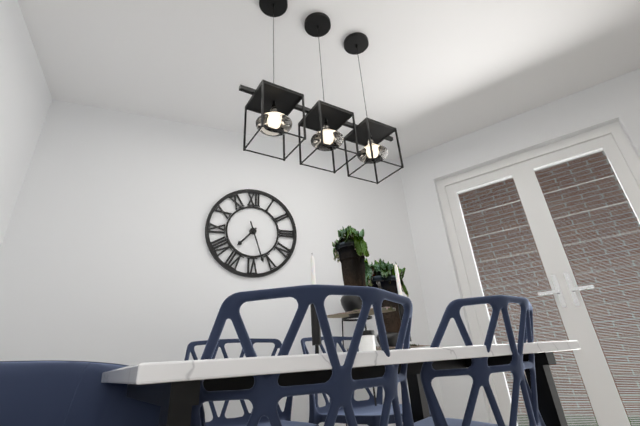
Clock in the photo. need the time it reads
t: 7:27
